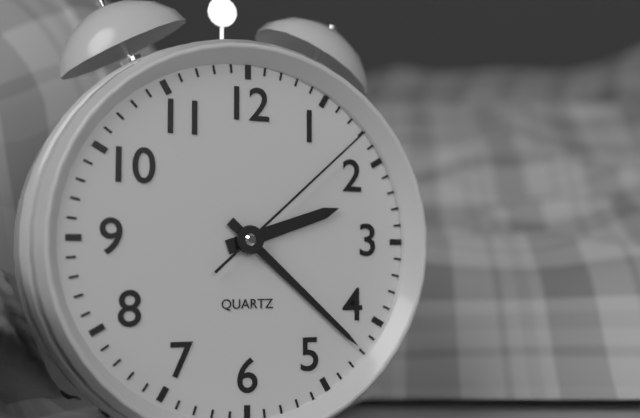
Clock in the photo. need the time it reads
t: 2:22:08
